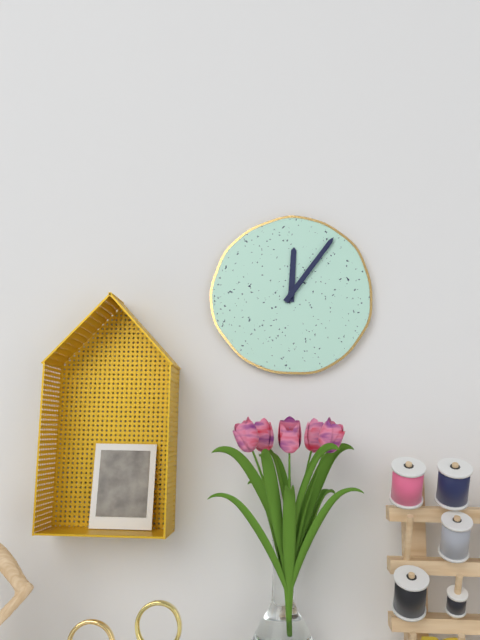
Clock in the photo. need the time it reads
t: 12:06
